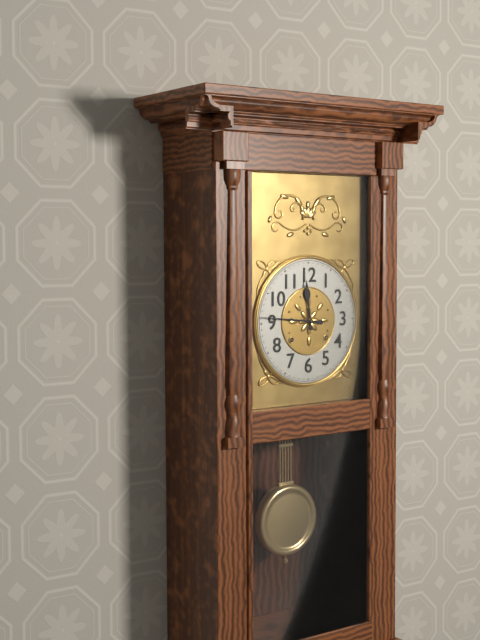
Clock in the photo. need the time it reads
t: 11:46
